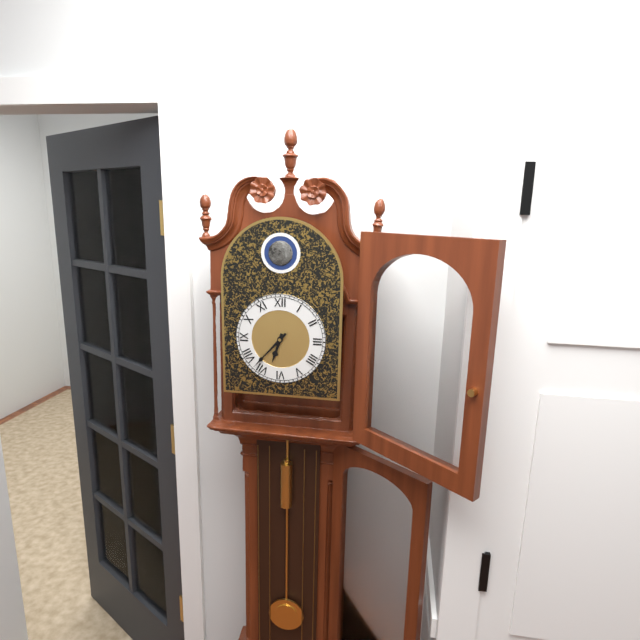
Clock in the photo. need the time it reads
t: 6:37
